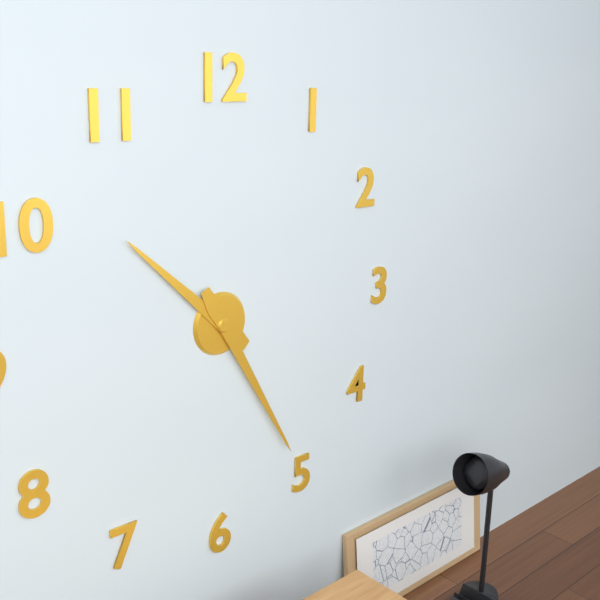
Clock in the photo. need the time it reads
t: 10:25
